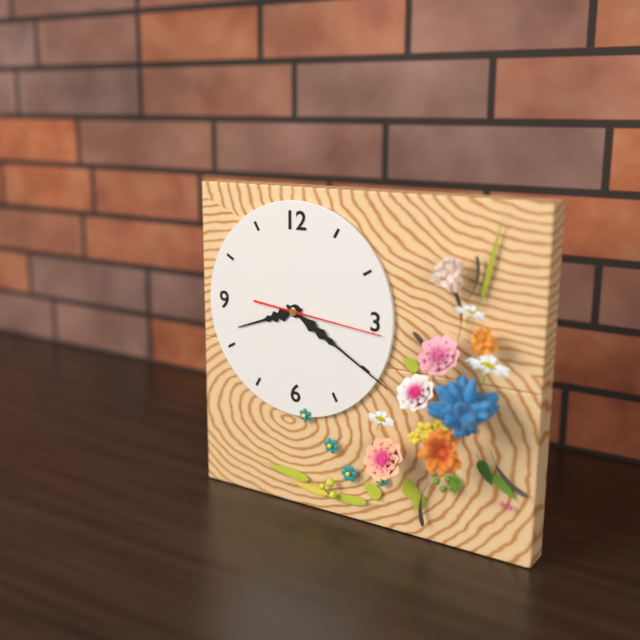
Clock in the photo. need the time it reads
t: 8:20:16
